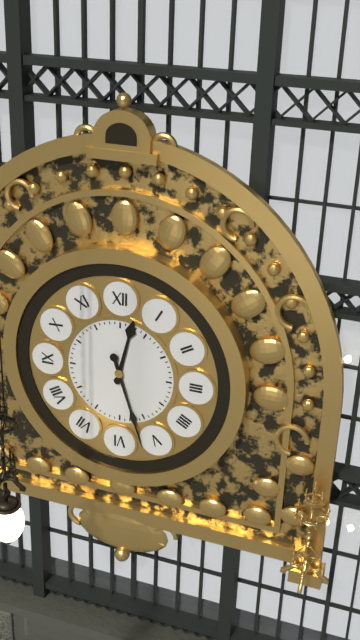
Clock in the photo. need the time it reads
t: 12:27
